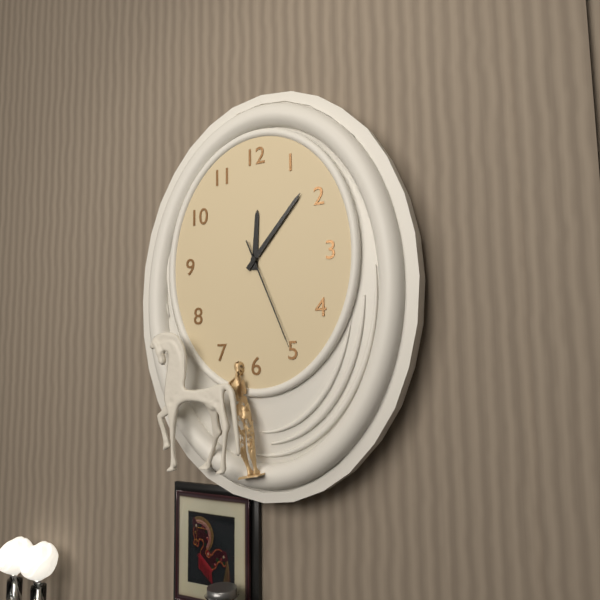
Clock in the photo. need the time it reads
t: 12:07:26
